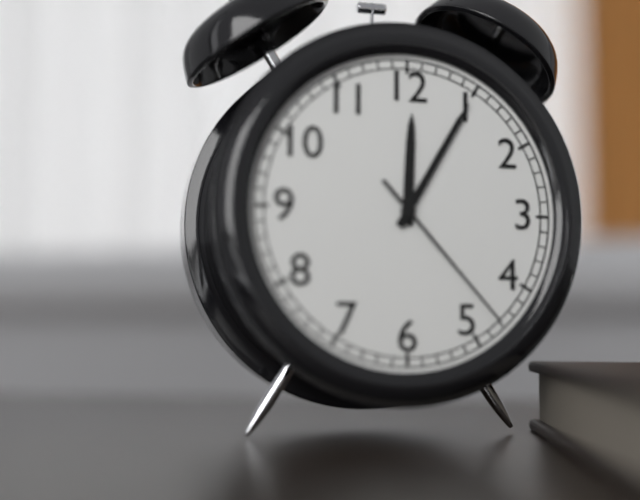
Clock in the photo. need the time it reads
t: 12:05:23
